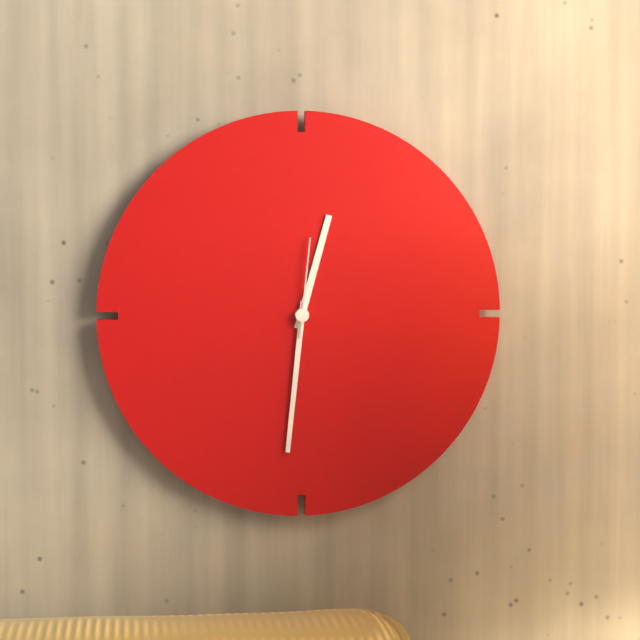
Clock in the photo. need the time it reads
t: 12:31:01
